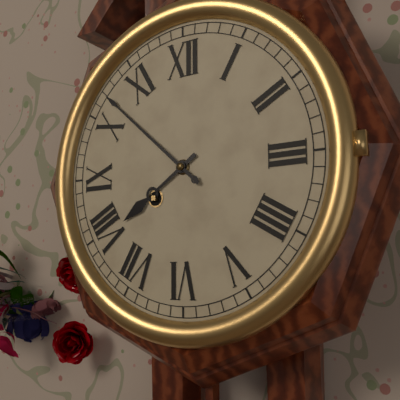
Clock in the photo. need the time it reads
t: 7:52
